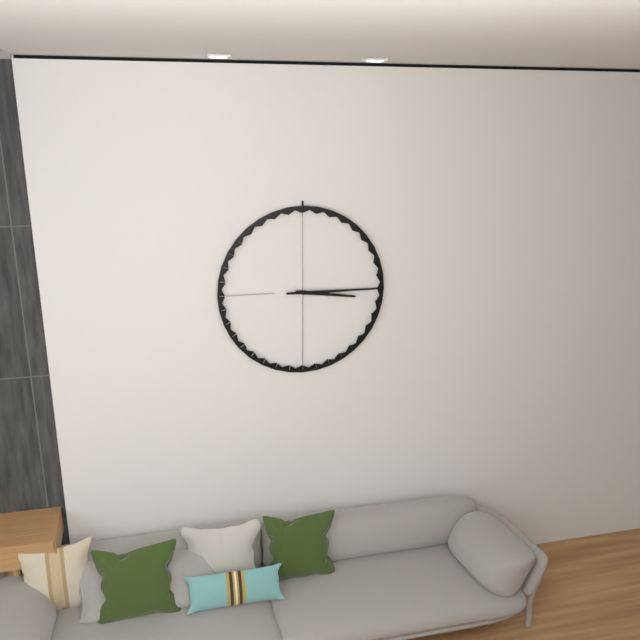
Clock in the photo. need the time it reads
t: 3:15
